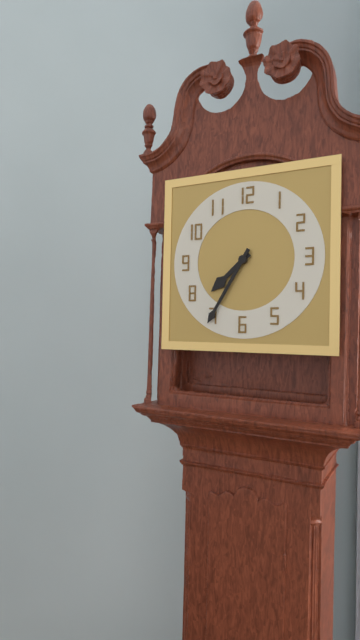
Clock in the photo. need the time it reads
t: 7:35
